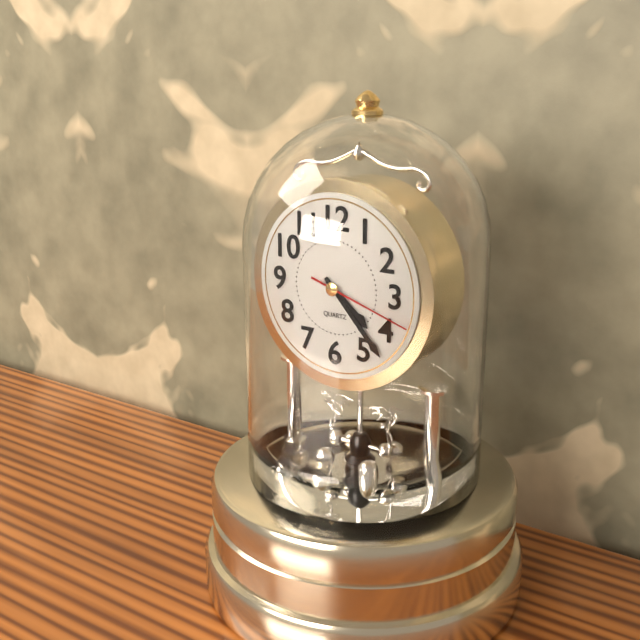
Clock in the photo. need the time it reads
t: 4:23:18
